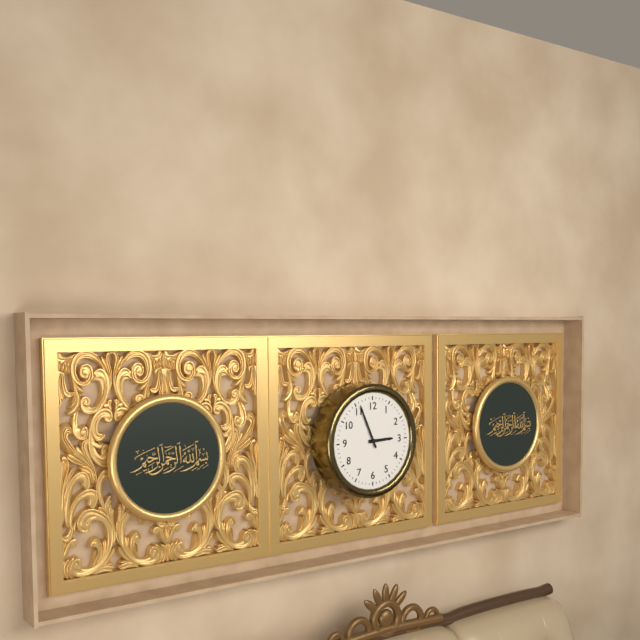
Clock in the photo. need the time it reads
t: 2:56
